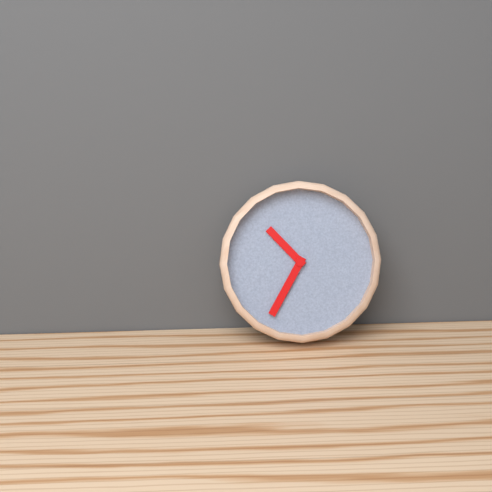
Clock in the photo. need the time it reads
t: 10:35
